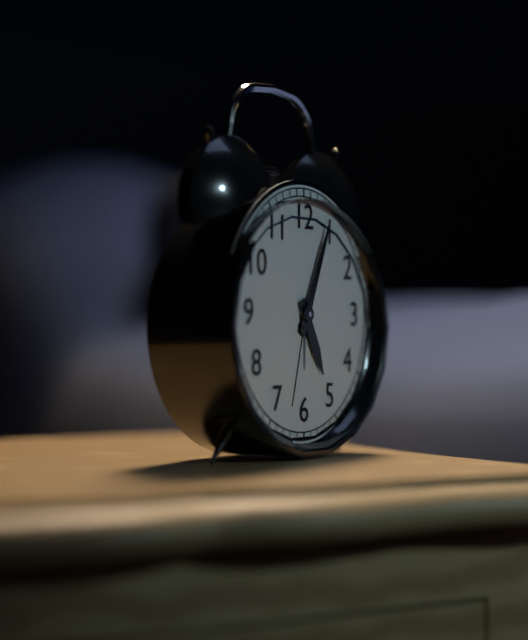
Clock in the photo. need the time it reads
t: 5:04
